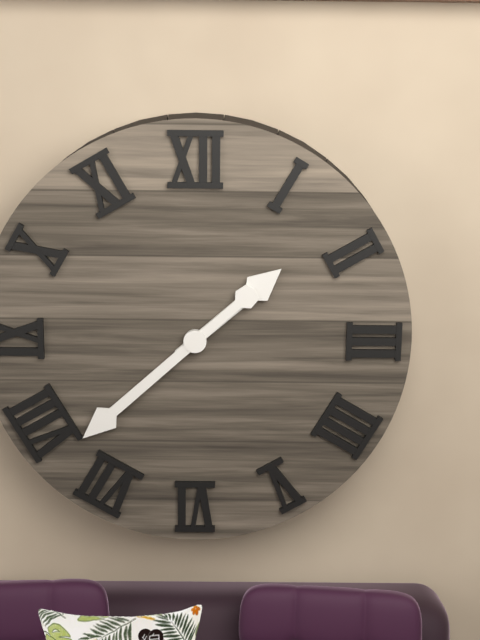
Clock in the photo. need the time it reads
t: 1:38
